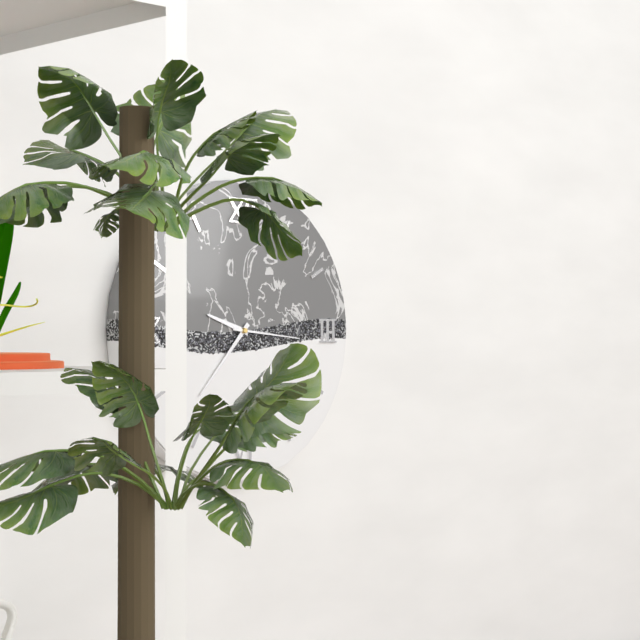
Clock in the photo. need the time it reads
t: 9:37:16
